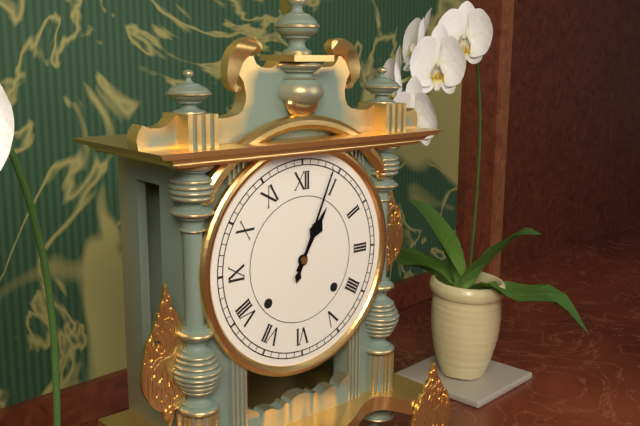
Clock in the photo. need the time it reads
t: 1:04
